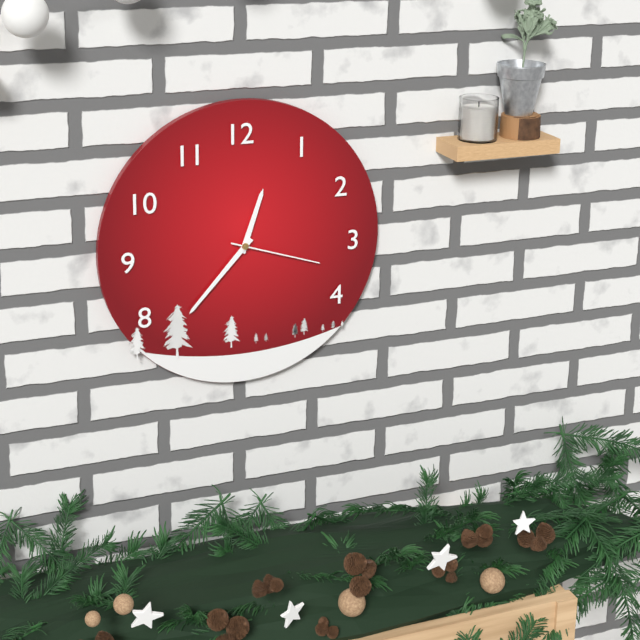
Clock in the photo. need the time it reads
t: 12:37:18
